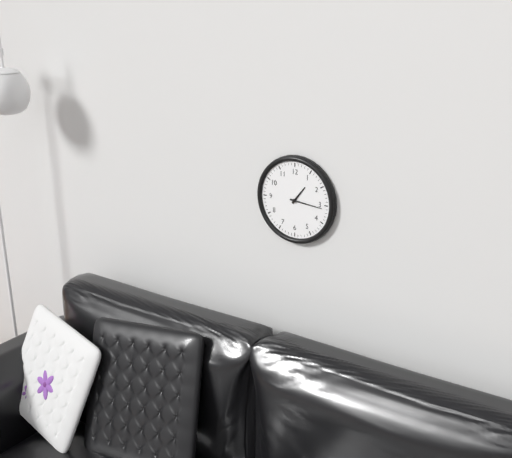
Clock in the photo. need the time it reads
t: 1:16
